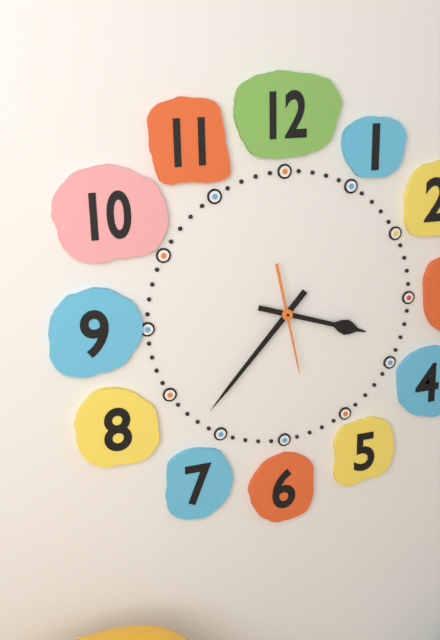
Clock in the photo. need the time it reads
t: 3:37:28
